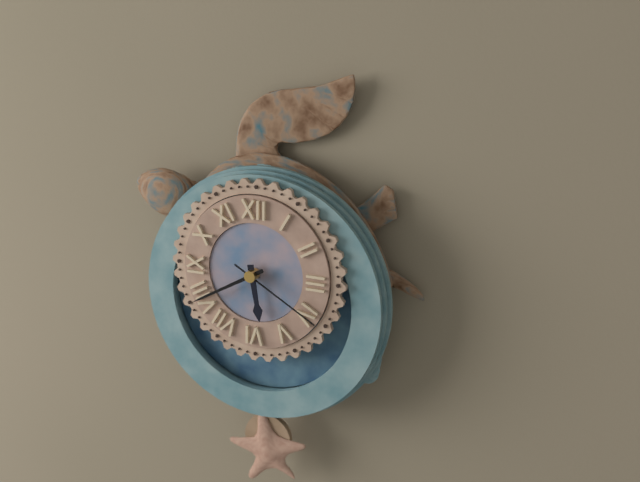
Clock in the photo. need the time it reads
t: 5:40:20
